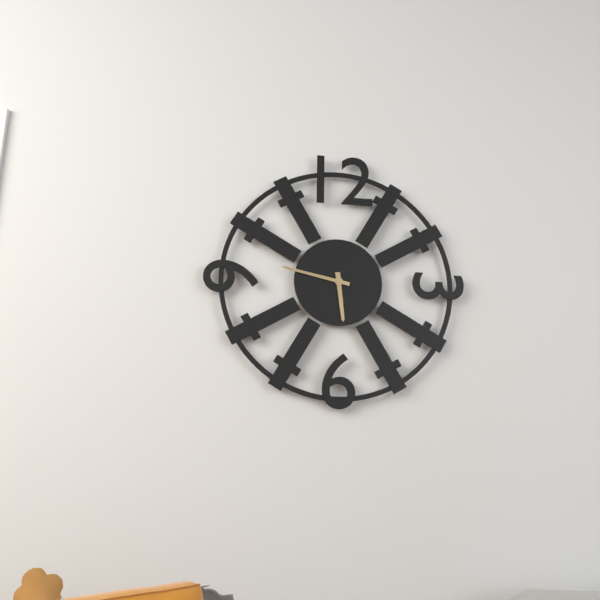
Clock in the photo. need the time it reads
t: 5:47
